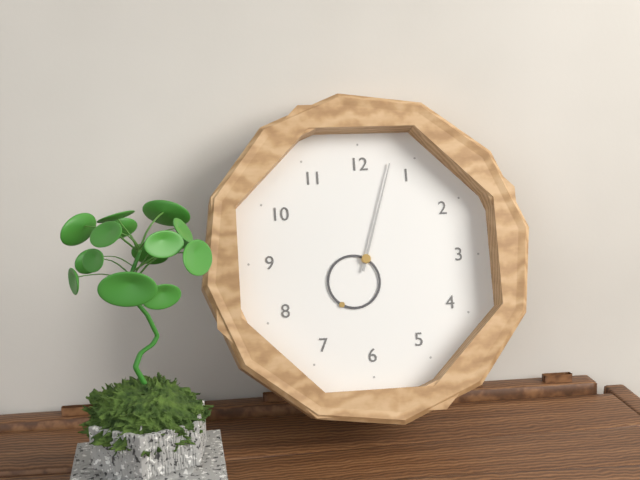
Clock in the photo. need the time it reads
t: 7:03
